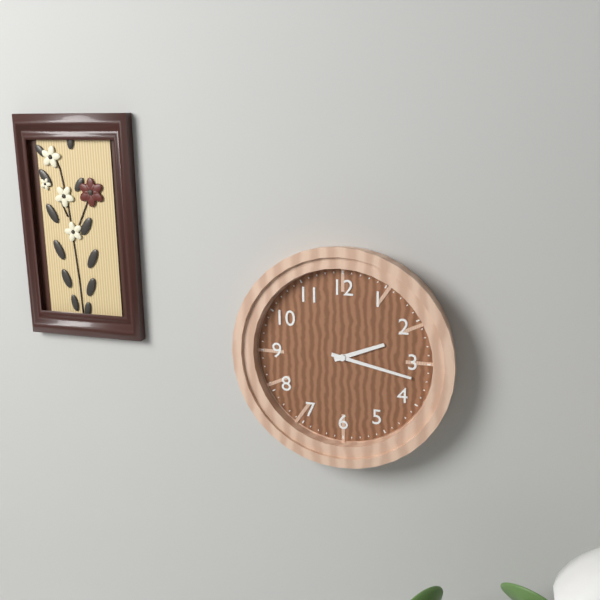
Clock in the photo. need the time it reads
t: 2:17
